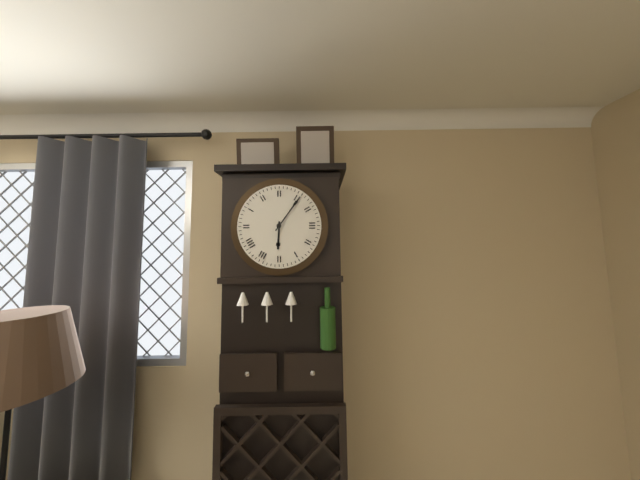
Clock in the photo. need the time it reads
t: 6:06
